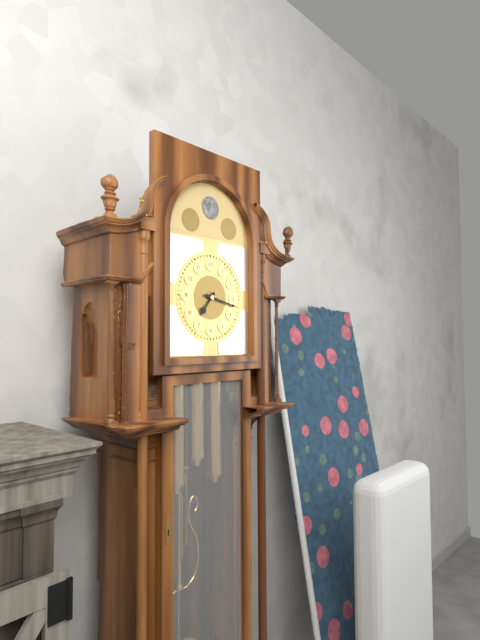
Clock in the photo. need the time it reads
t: 7:17
